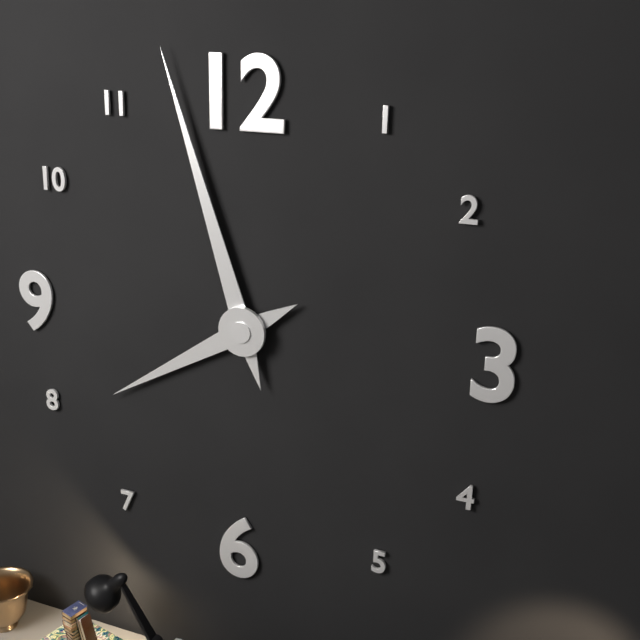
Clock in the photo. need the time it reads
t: 7:57
